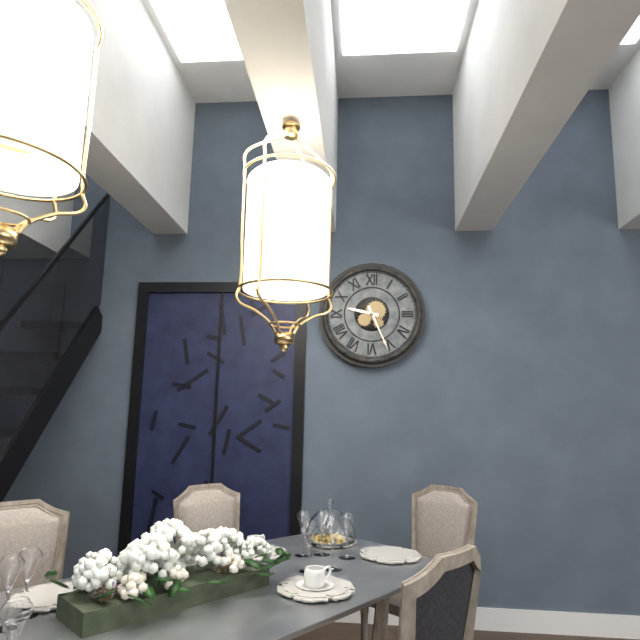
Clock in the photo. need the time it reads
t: 9:26
